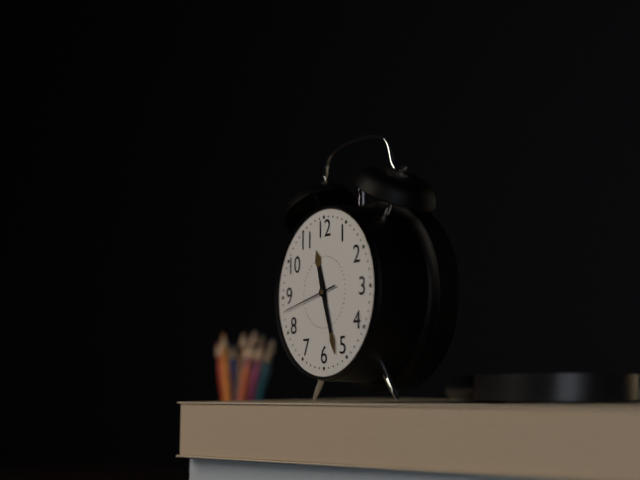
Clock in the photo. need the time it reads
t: 11:27:43
